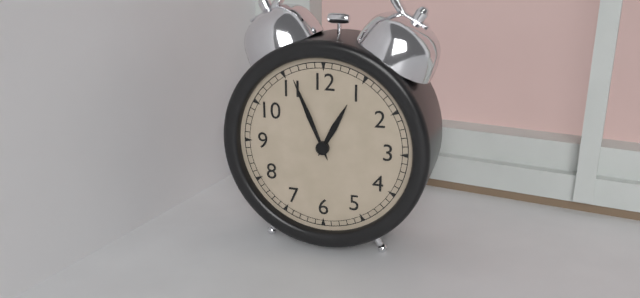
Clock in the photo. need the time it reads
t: 12:56
